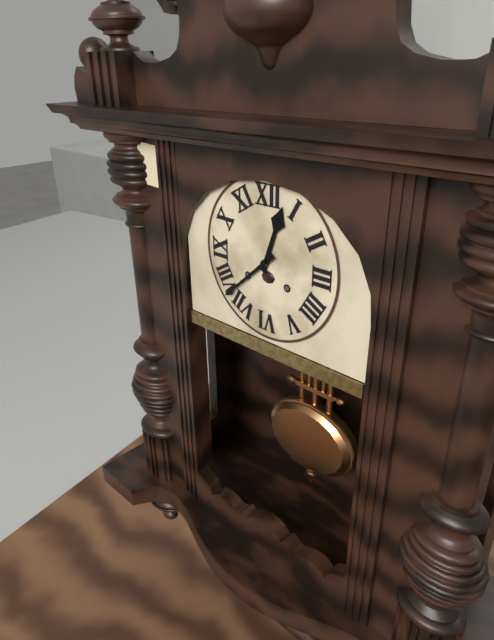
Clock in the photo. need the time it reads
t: 12:38
